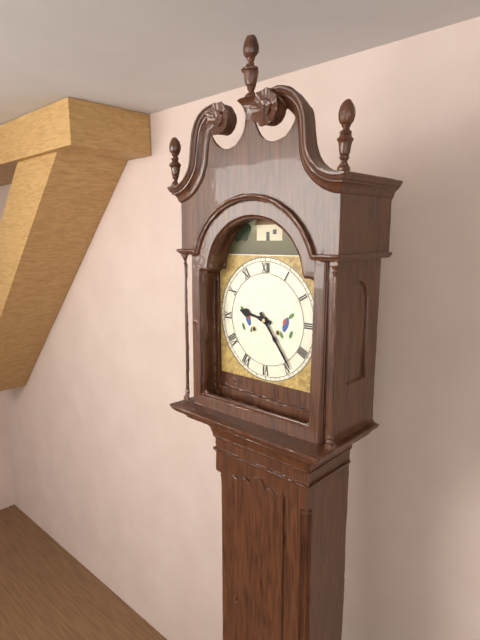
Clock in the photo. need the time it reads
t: 9:24
